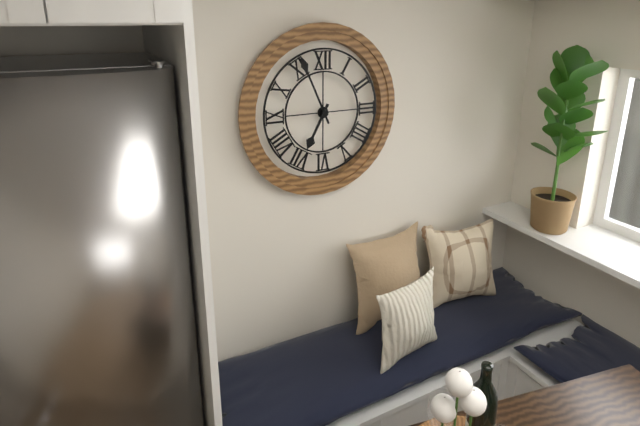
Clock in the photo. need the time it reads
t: 6:56
